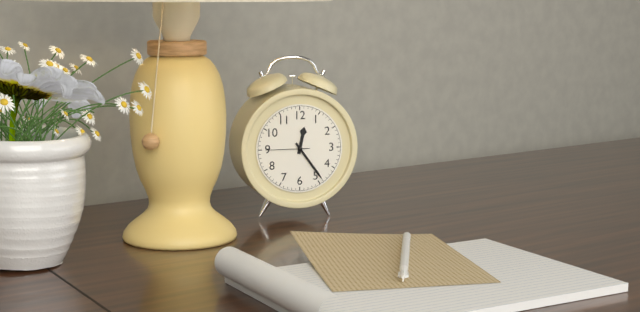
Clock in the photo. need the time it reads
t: 12:24
